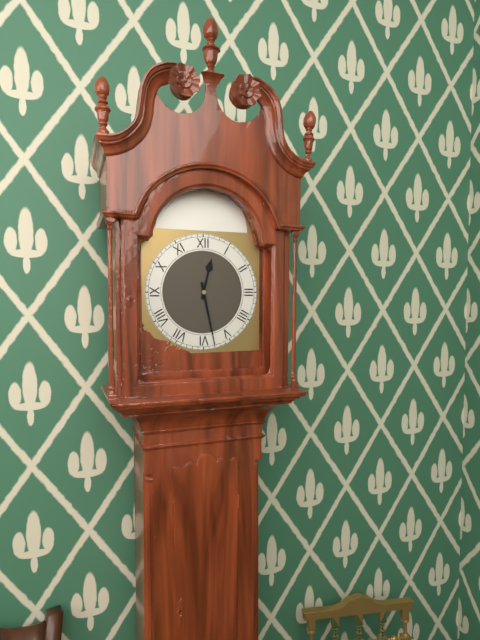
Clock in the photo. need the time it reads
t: 12:28
